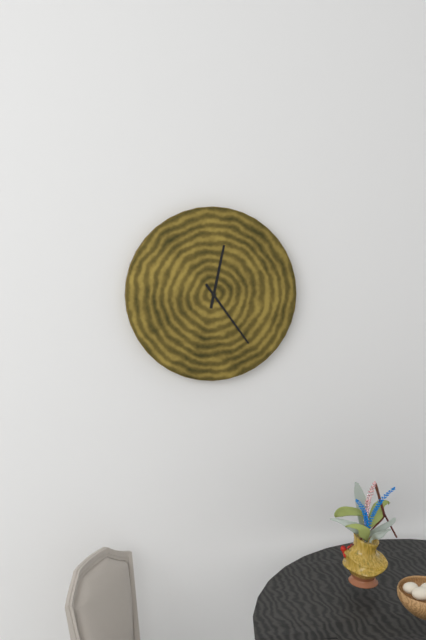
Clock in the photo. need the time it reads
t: 12:24
